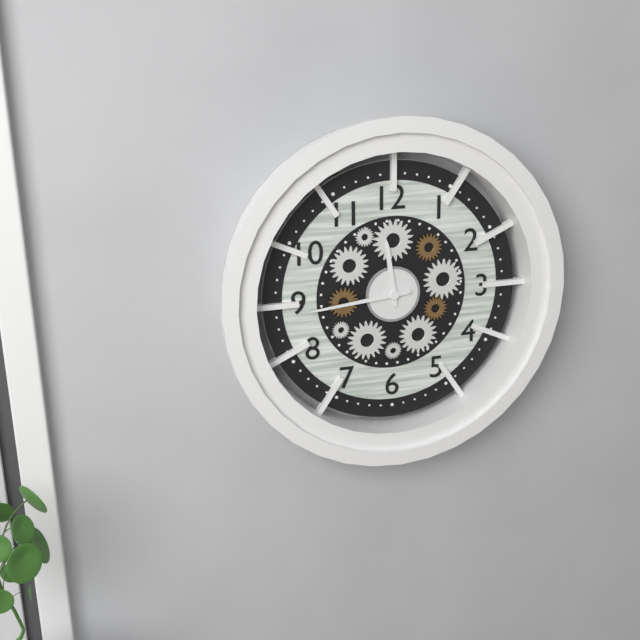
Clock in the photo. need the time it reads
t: 11:44
